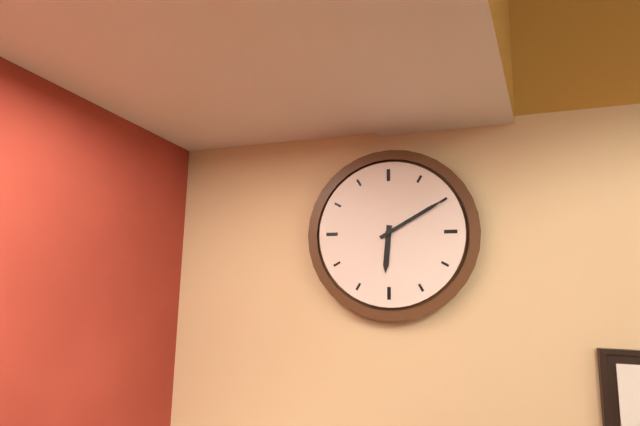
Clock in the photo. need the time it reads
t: 6:10
